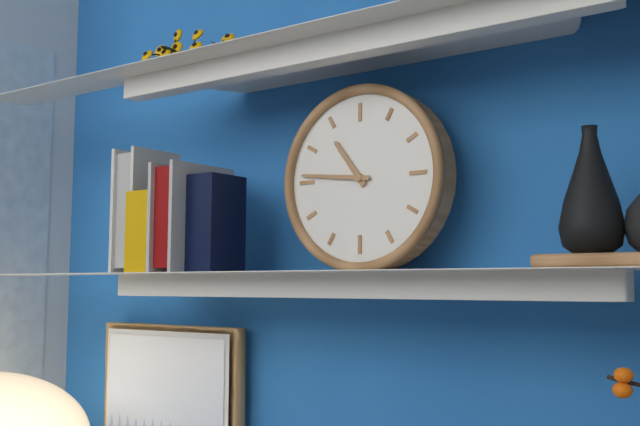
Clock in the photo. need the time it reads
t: 10:46
